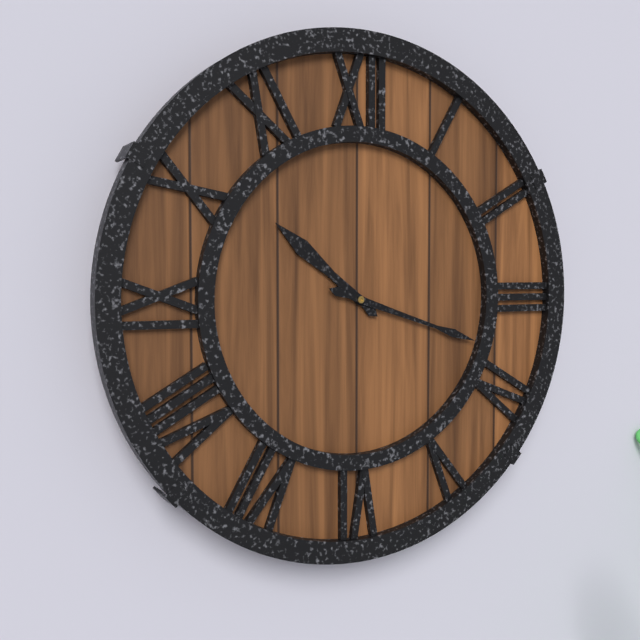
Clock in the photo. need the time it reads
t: 10:18
